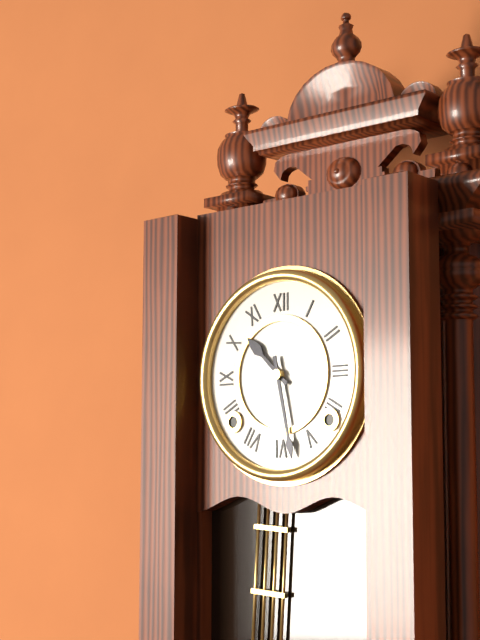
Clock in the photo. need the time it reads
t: 10:28
